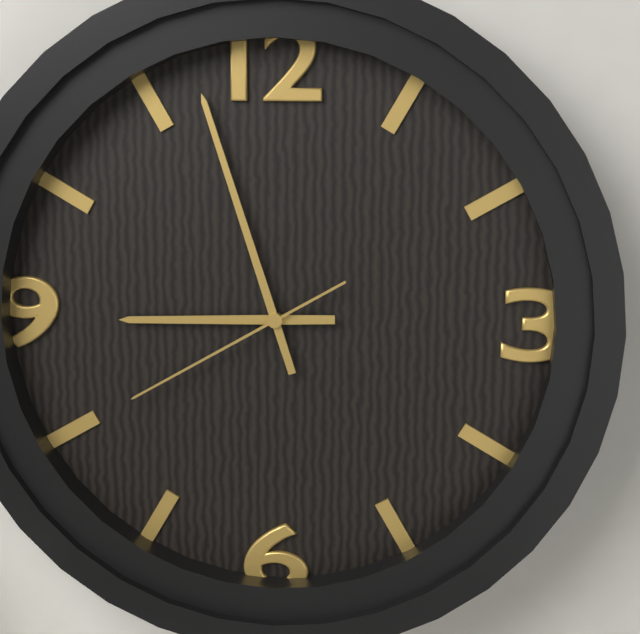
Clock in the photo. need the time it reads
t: 8:57:40
